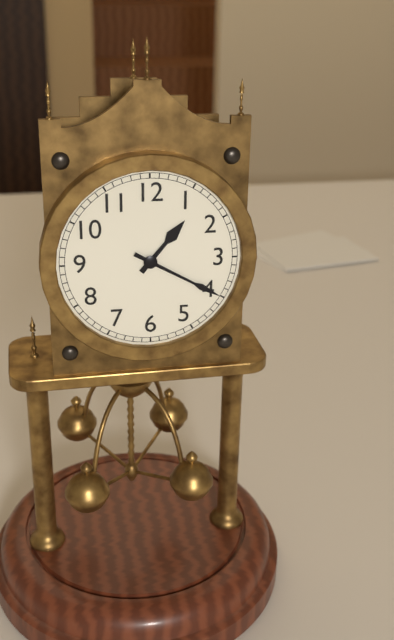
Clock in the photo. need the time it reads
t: 1:20
